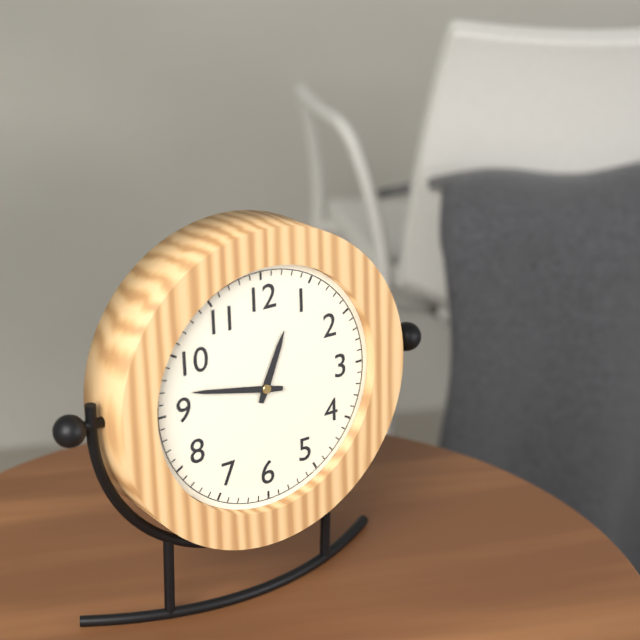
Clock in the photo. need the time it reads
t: 12:47
